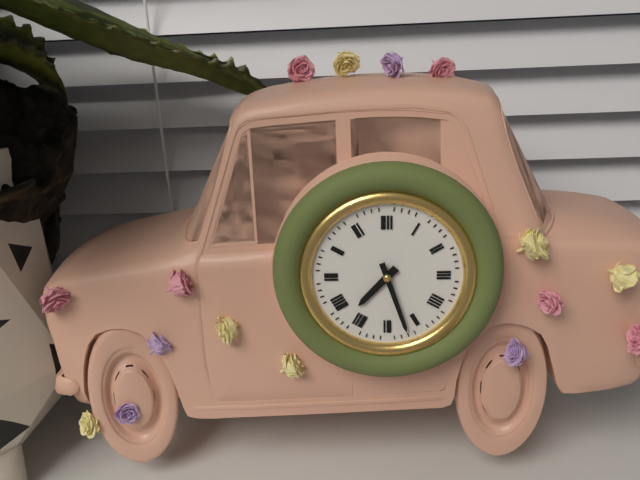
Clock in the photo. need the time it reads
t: 7:27
